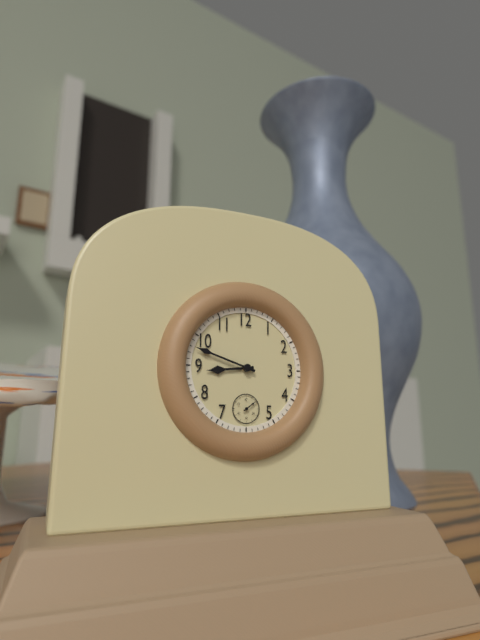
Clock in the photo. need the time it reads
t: 8:48
